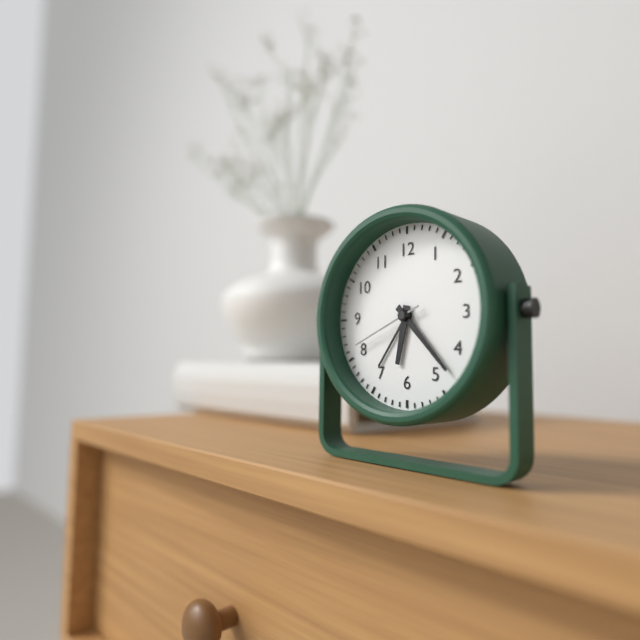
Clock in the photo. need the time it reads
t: 6:23:41
